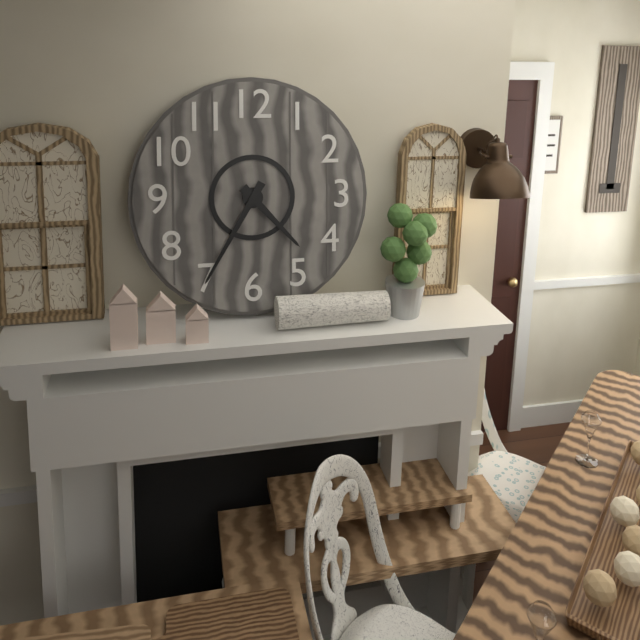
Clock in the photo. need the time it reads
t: 4:35
